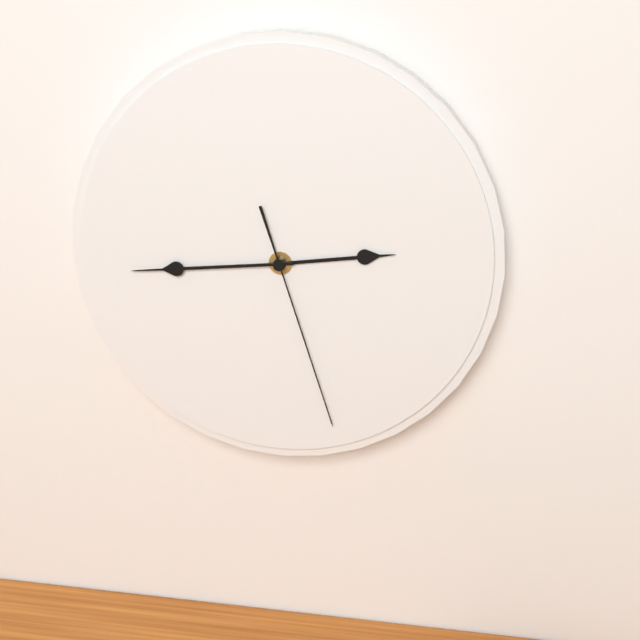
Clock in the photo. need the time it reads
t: 2:44:27
